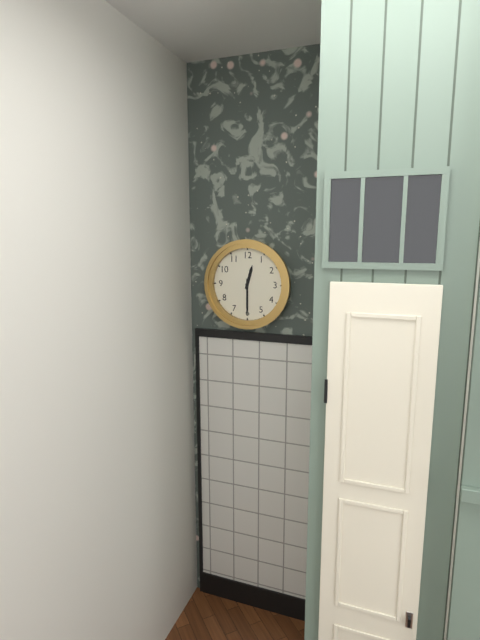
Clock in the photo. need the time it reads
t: 12:30
